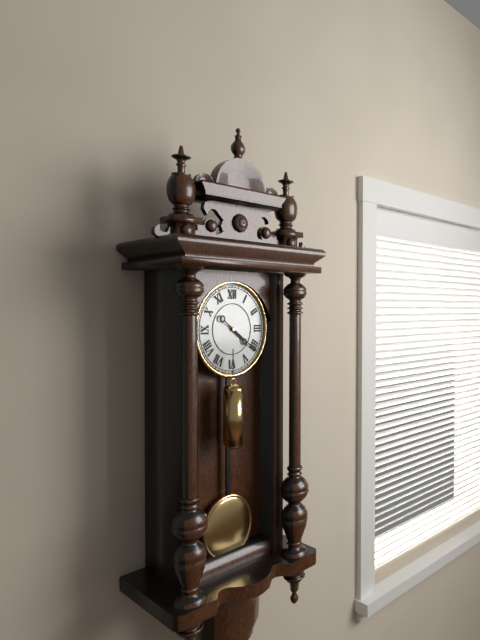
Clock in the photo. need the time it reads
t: 4:21
